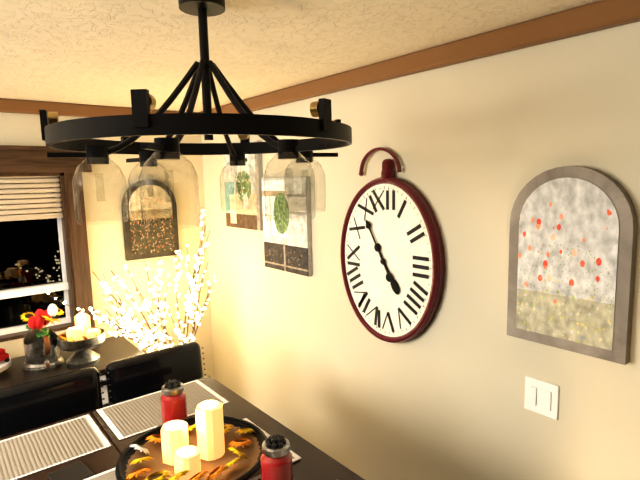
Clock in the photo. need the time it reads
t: 4:55
